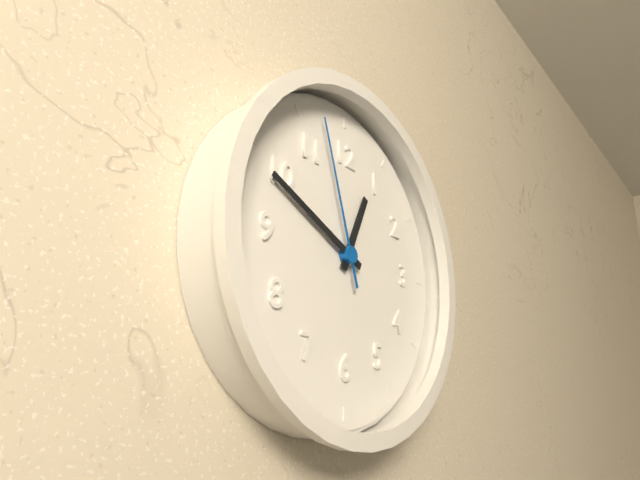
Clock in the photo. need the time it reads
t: 12:49:57
